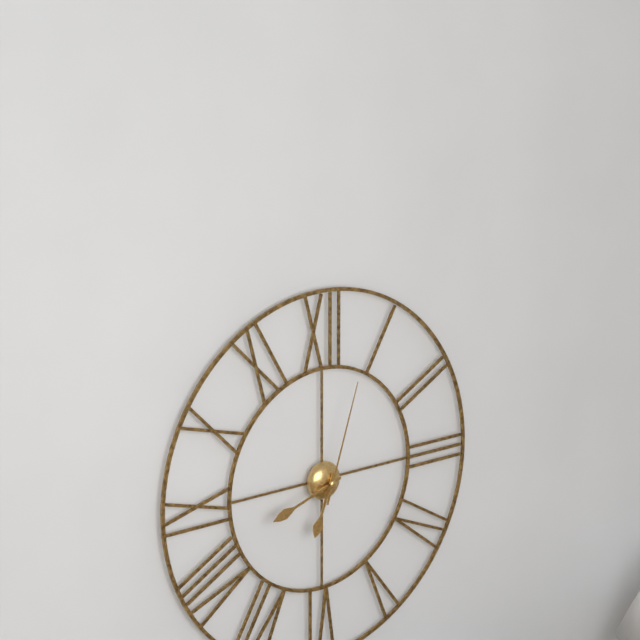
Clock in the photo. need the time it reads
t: 6:42:03
